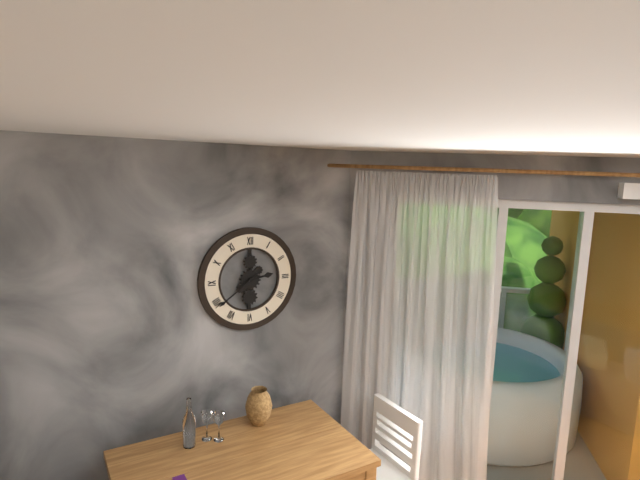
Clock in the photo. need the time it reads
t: 2:39
